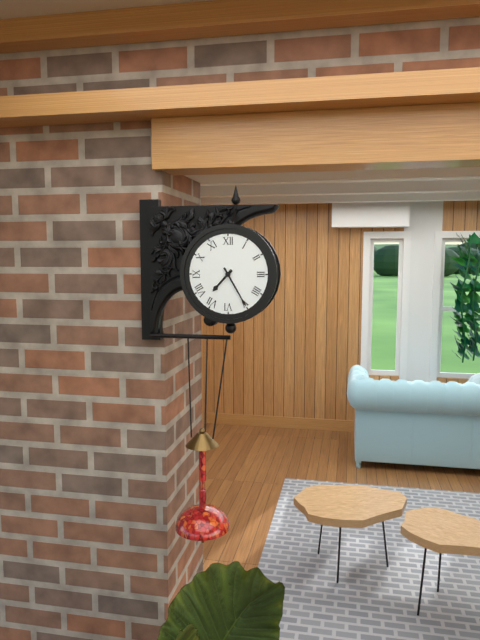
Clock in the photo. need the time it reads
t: 7:25
